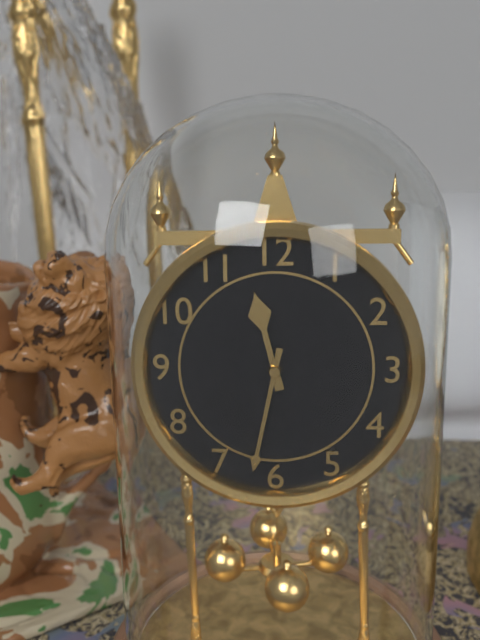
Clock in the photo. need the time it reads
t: 11:32
